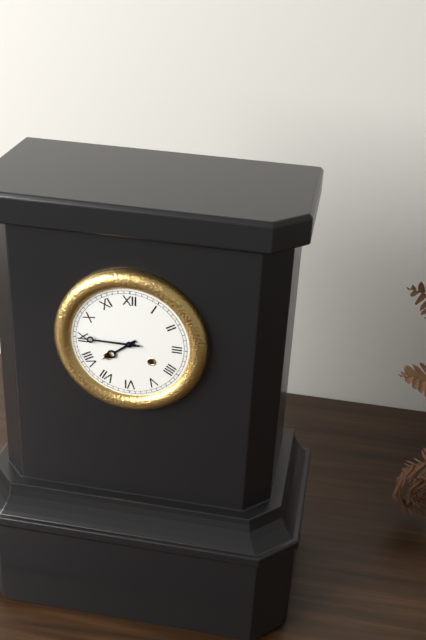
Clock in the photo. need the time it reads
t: 7:45
